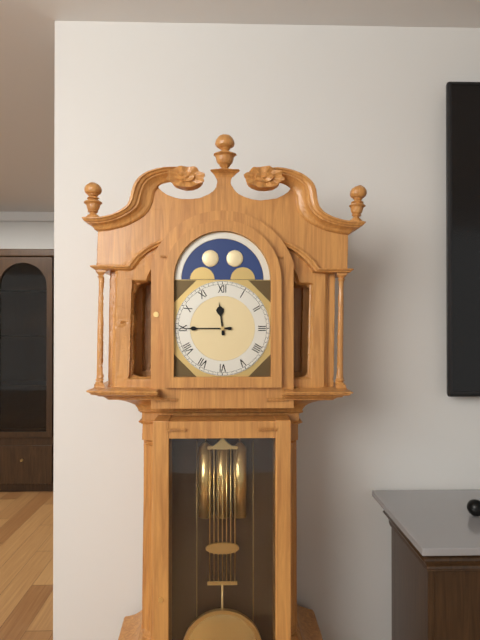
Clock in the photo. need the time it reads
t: 11:45
